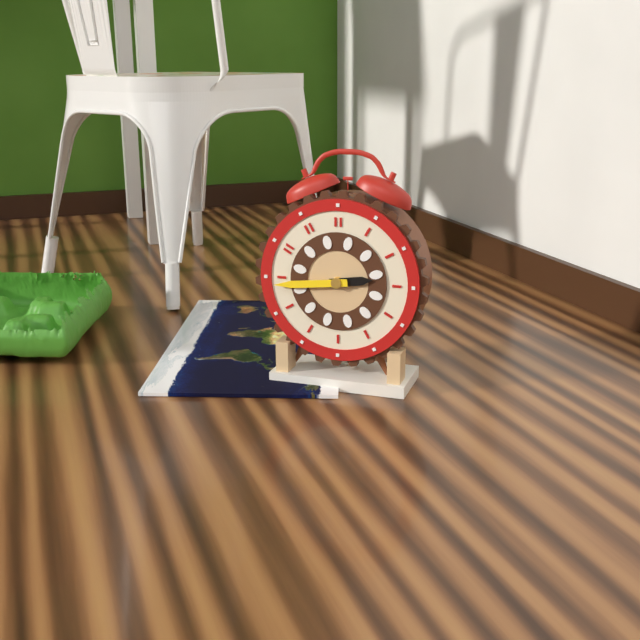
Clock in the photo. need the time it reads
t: 2:44
